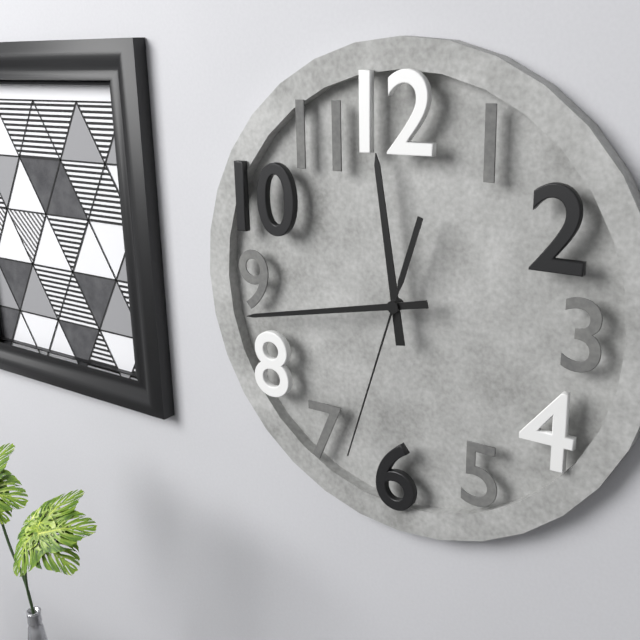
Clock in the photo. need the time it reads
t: 11:43:33
